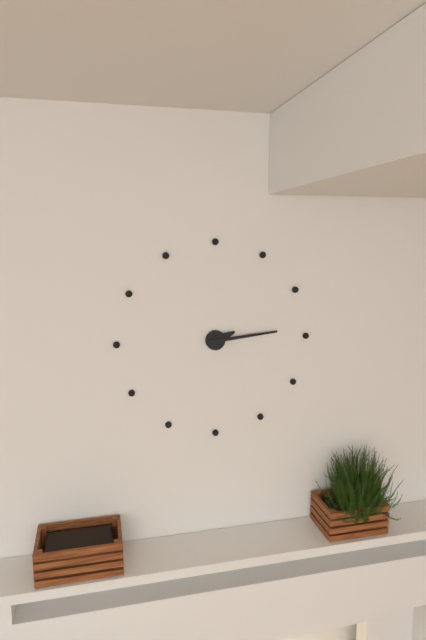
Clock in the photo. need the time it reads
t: 2:14
